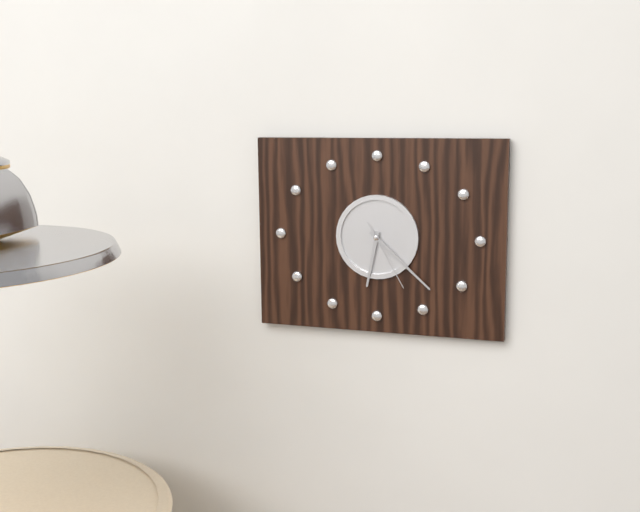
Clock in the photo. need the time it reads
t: 6:22:25
